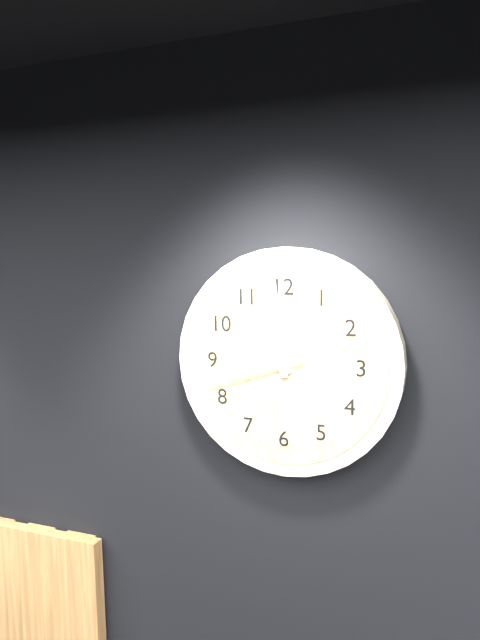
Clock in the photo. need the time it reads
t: 10:59:42
